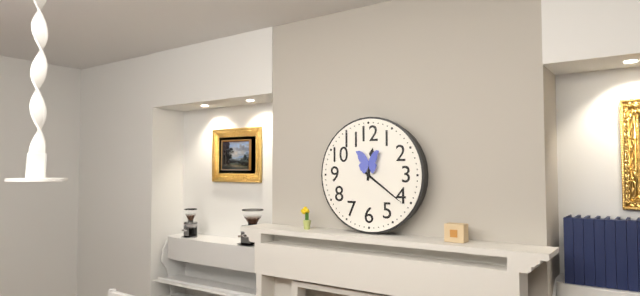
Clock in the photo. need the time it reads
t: 12:21
